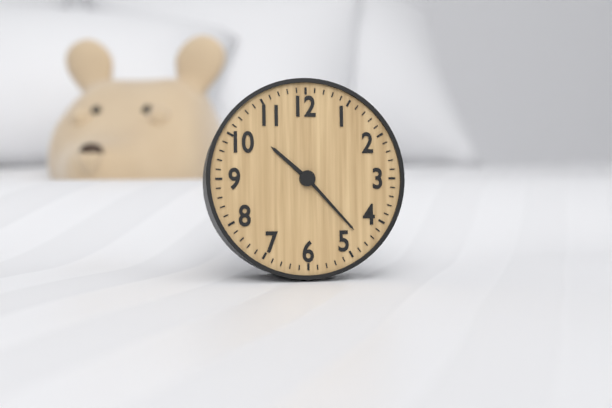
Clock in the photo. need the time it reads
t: 10:23
